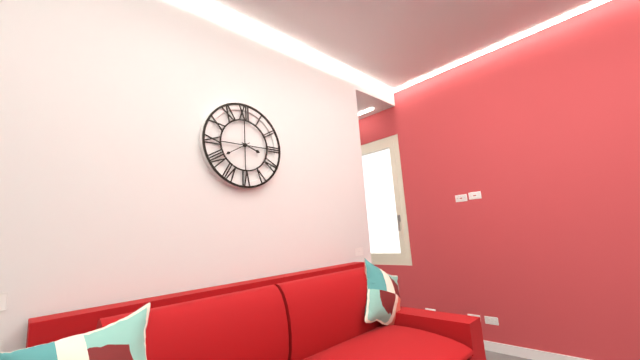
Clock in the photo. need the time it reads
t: 3:40
